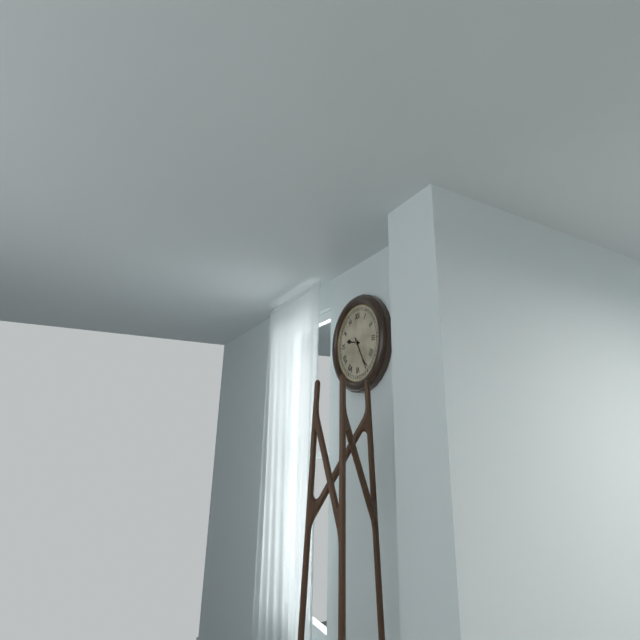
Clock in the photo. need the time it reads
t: 9:25
